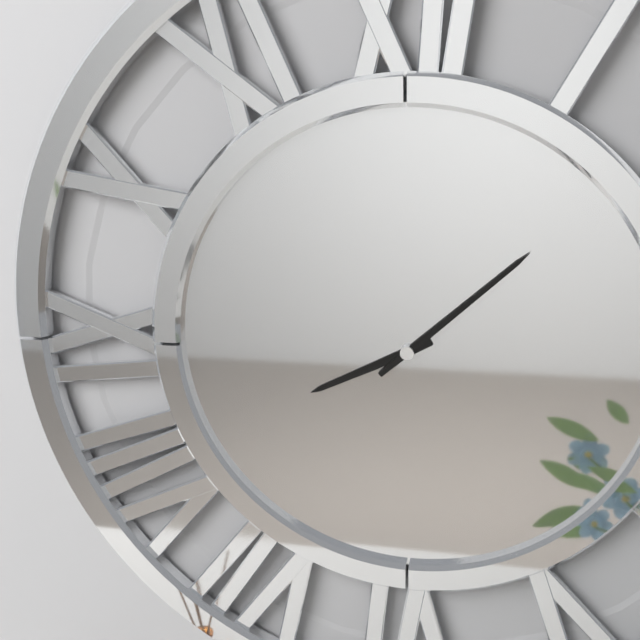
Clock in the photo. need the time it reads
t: 8:08
